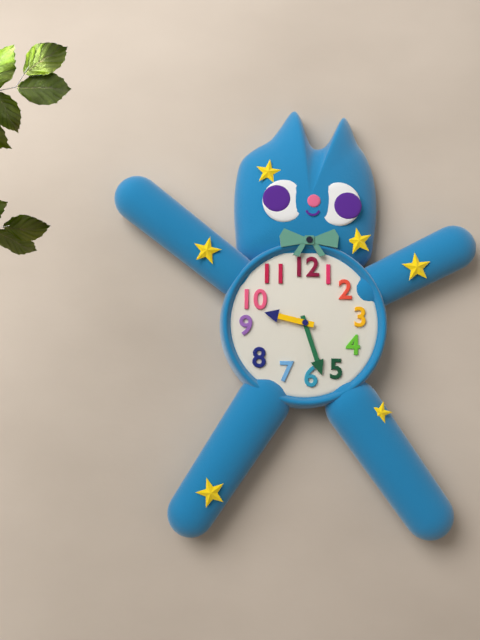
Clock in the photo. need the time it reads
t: 9:27
